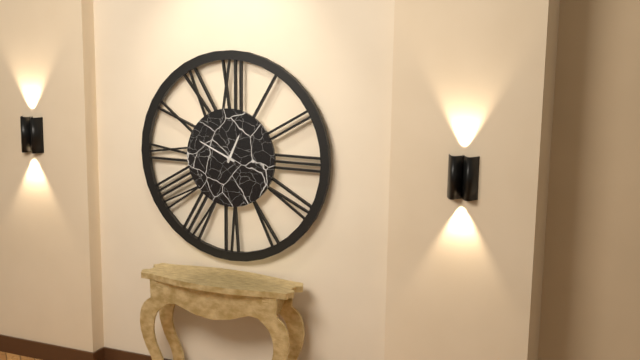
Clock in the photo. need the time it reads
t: 12:49
